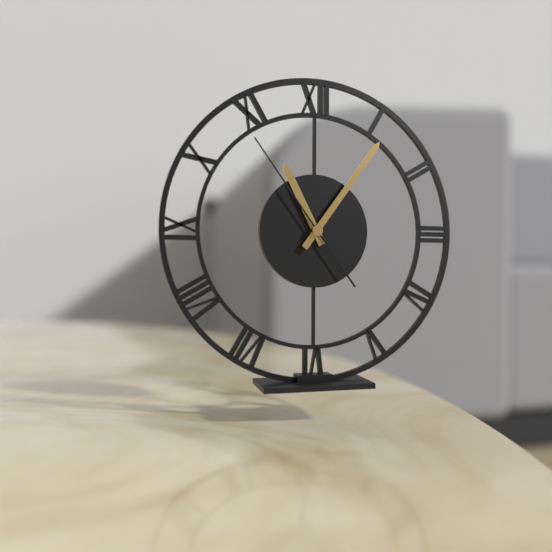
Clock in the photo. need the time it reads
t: 11:06:54
